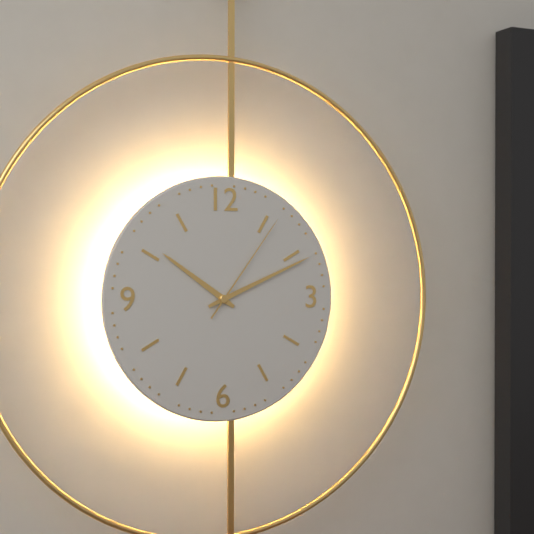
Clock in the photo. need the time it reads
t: 10:11:06
